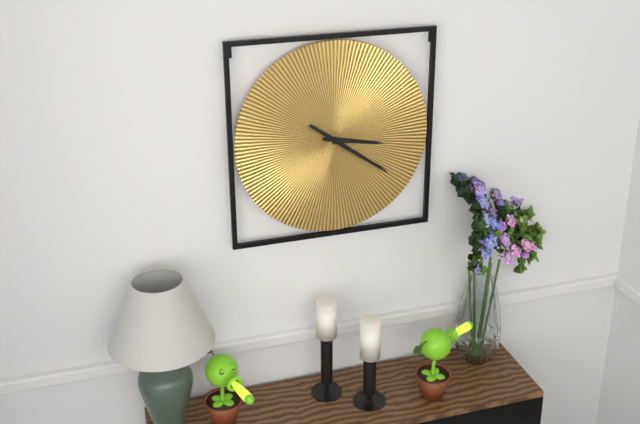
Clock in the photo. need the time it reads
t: 3:21
